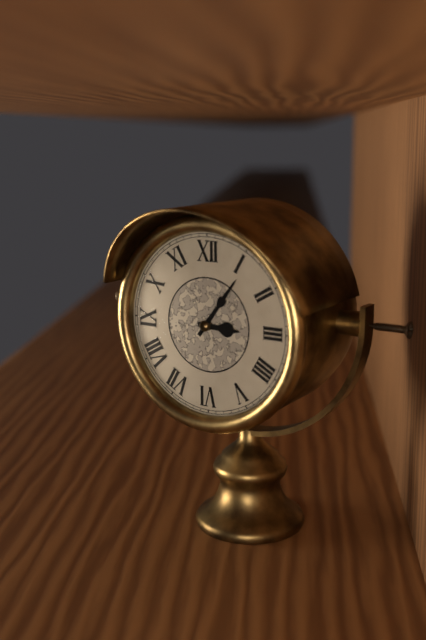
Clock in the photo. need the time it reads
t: 3:06
